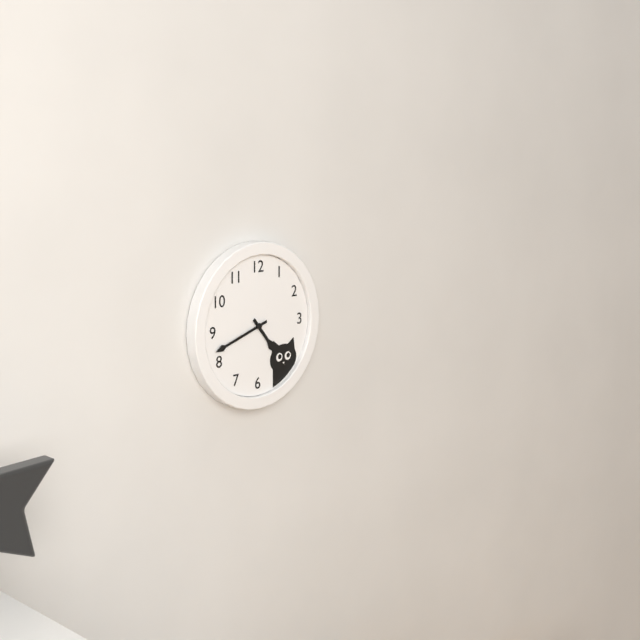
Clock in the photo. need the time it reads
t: 4:42
